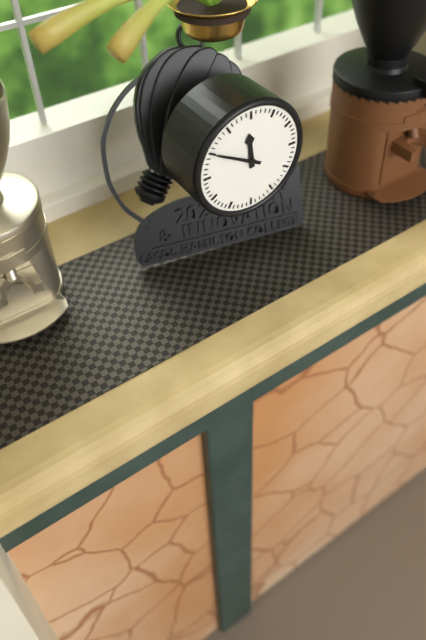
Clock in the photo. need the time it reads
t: 11:50
